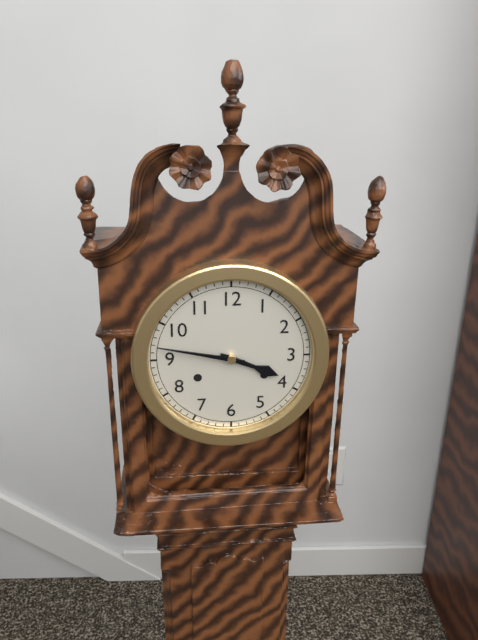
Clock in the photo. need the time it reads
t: 3:47
